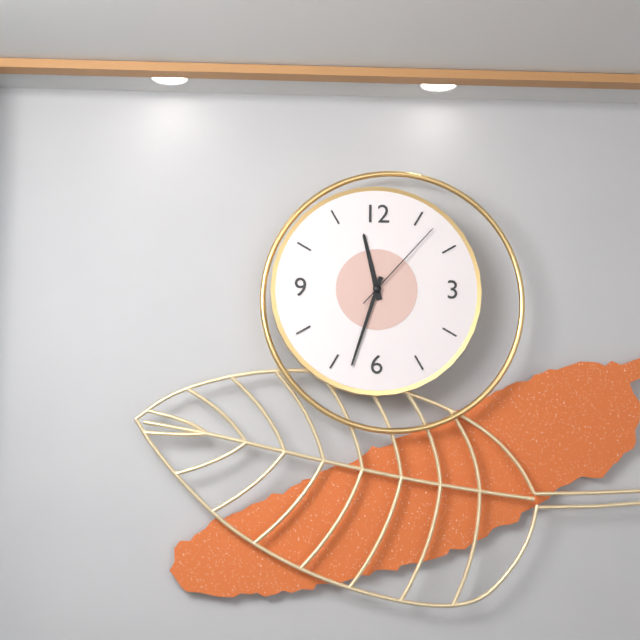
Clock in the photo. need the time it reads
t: 11:33:07
